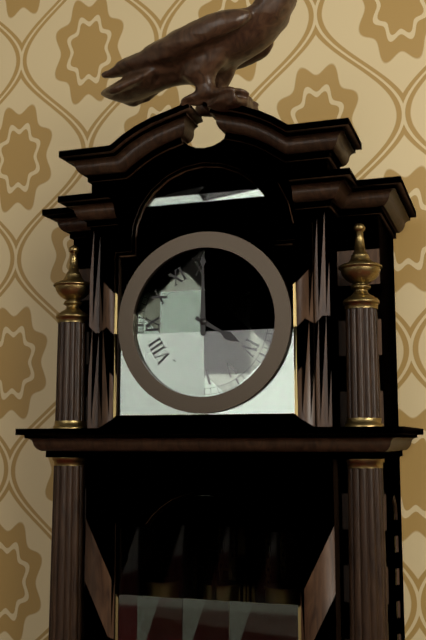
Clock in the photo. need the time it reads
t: 4:00
